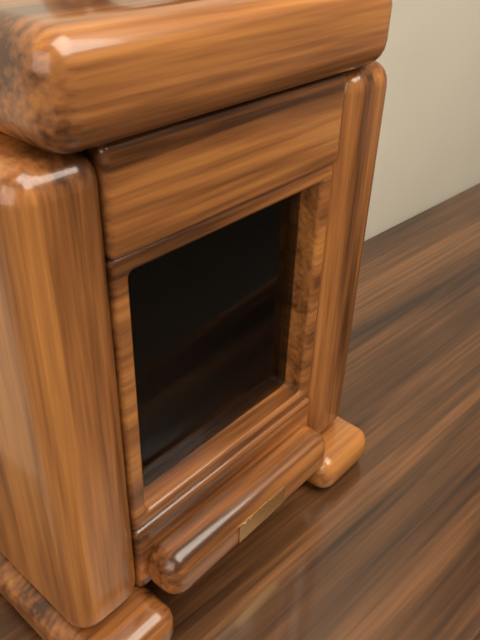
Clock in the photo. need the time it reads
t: 2:12:18
